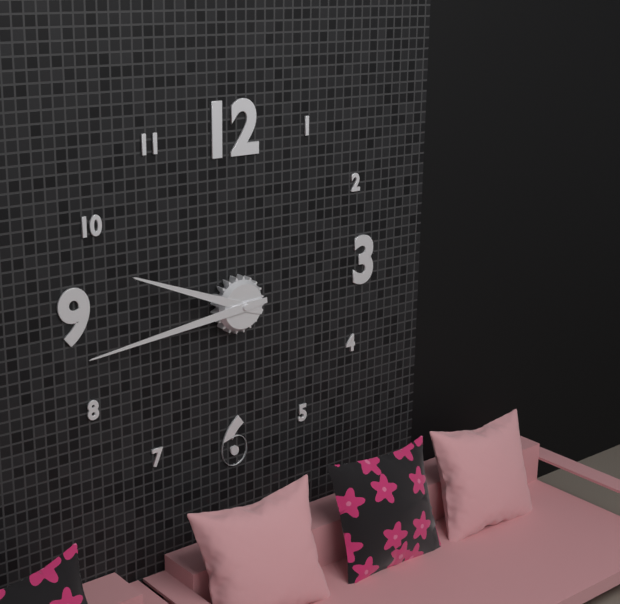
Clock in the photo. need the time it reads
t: 9:44
